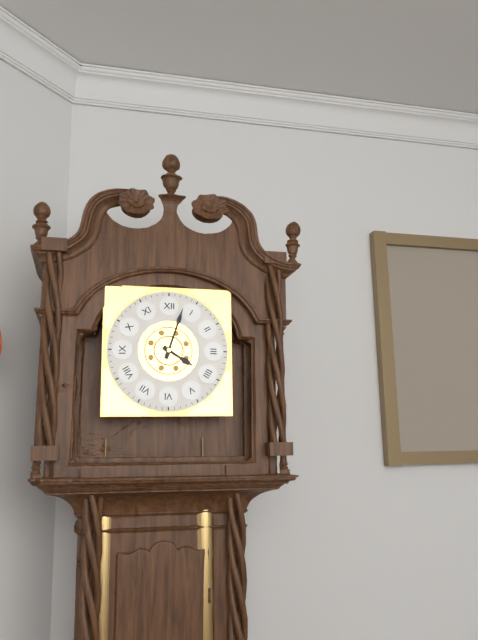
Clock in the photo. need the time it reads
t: 4:03
